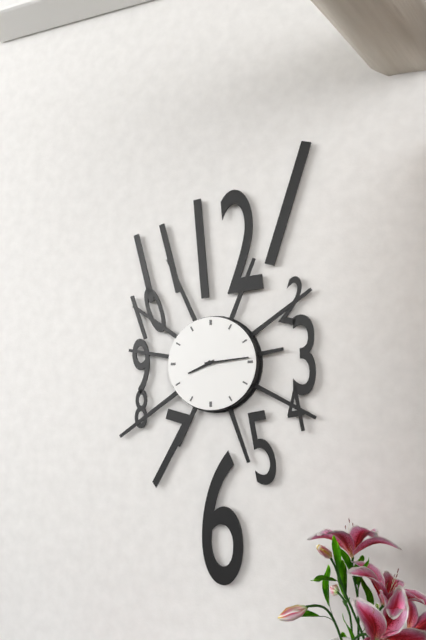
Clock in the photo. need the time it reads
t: 8:14
